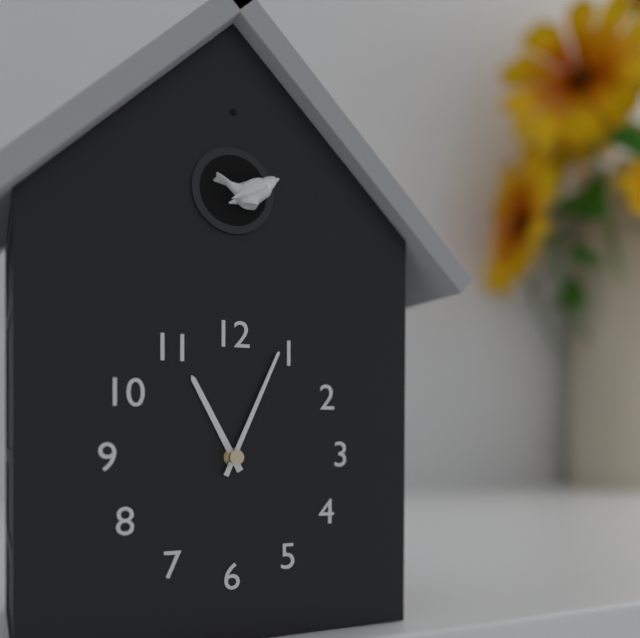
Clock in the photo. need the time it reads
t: 11:04
